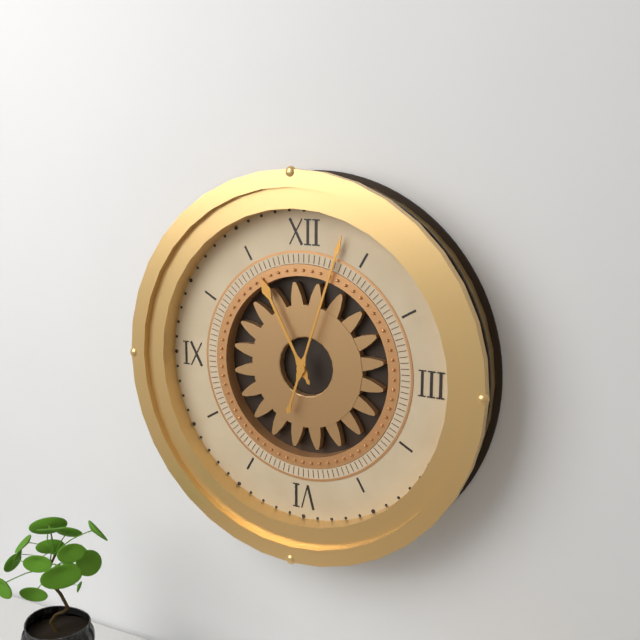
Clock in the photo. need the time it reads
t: 11:03
